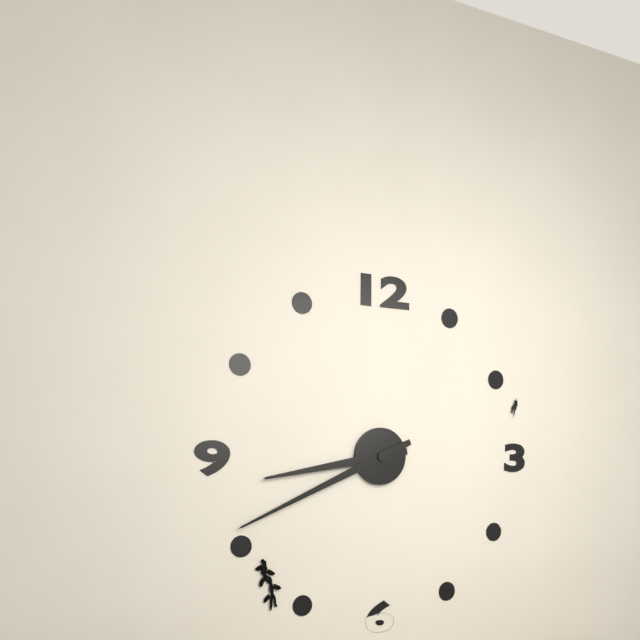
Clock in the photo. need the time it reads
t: 8:41
